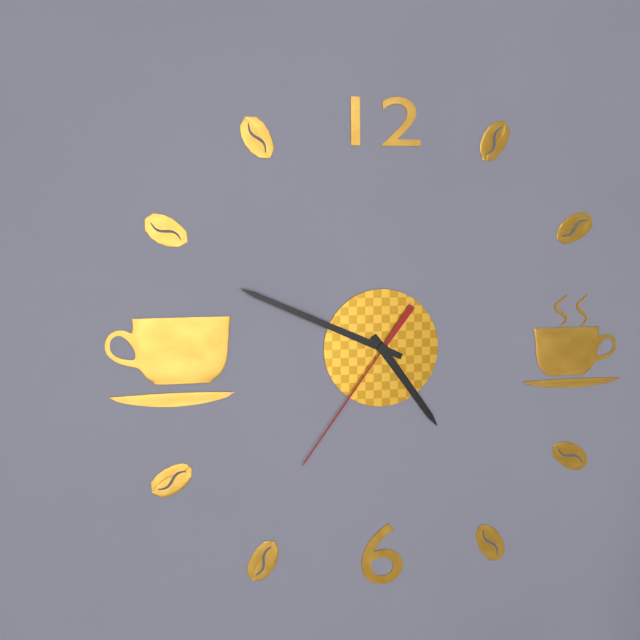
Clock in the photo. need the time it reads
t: 4:49:36
